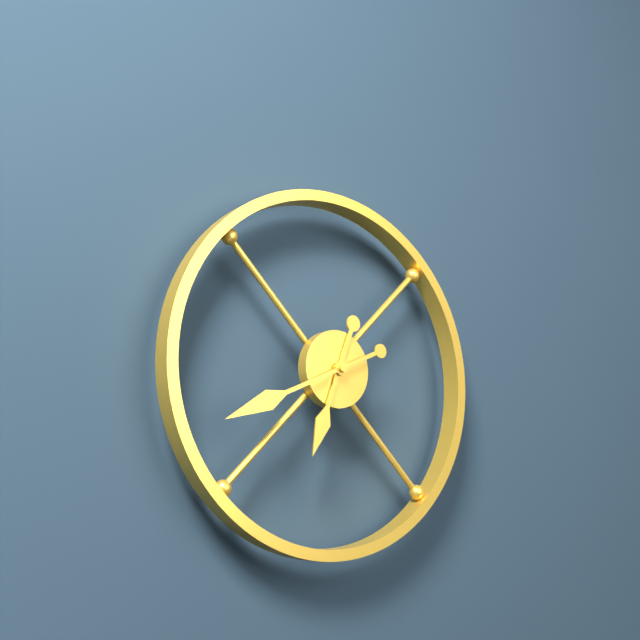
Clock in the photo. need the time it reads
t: 6:41
